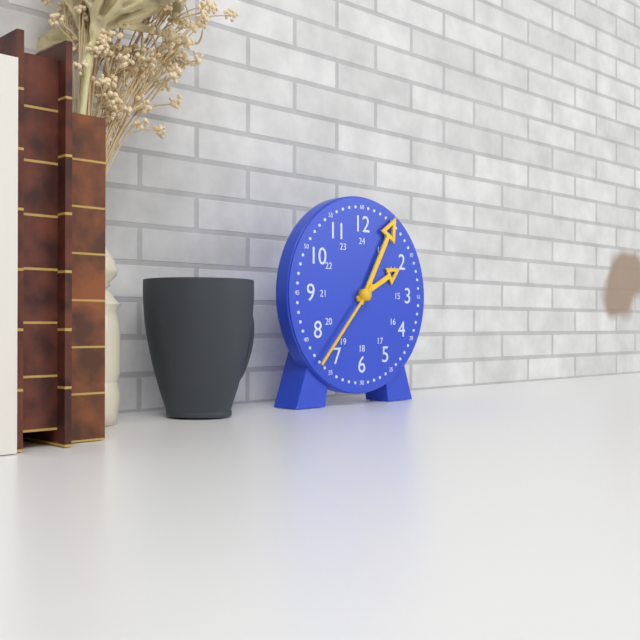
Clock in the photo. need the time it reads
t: 2:05:37
